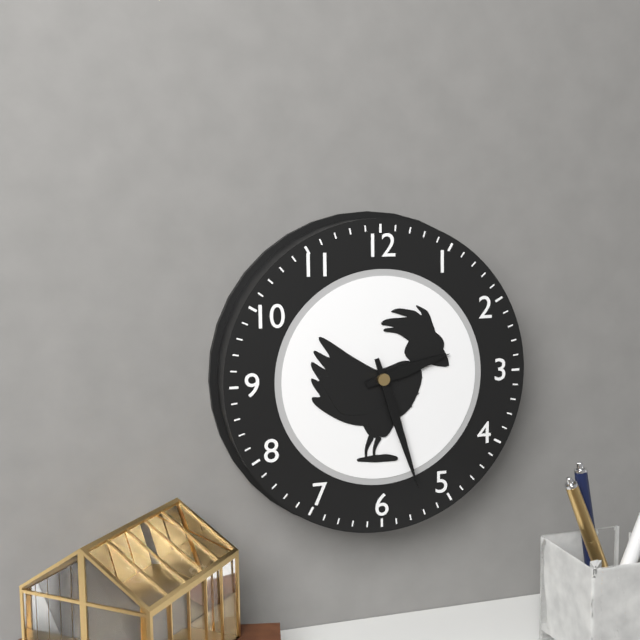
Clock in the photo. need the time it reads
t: 2:27
